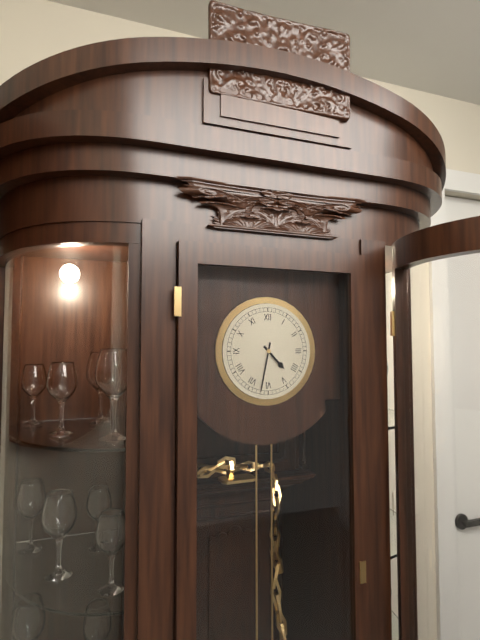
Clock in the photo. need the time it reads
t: 4:32
